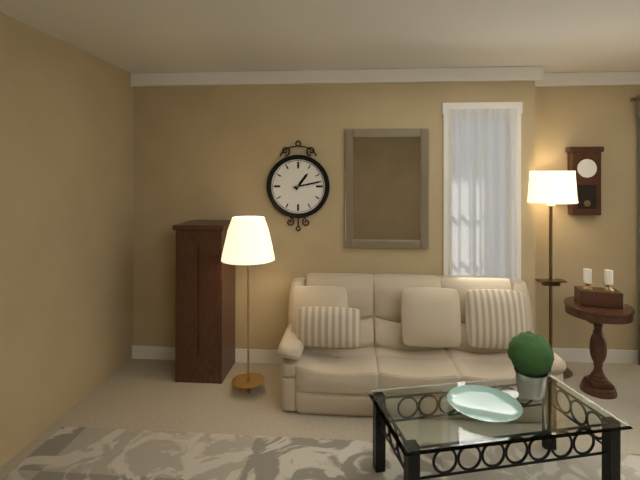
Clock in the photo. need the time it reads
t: 1:13
